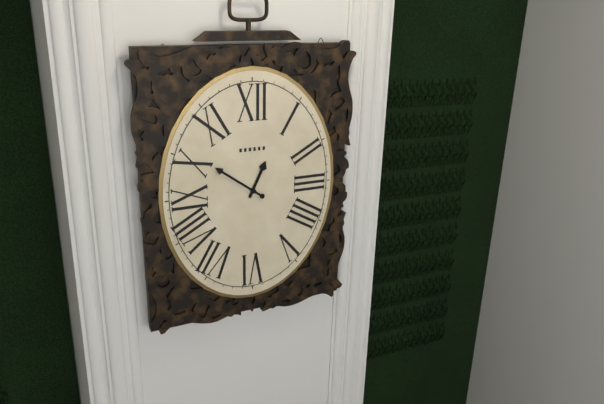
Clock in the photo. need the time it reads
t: 12:51
